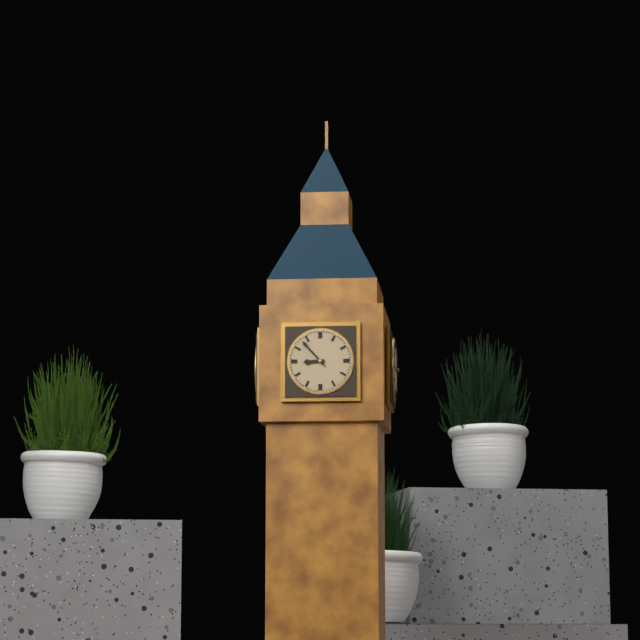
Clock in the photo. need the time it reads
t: 8:53
